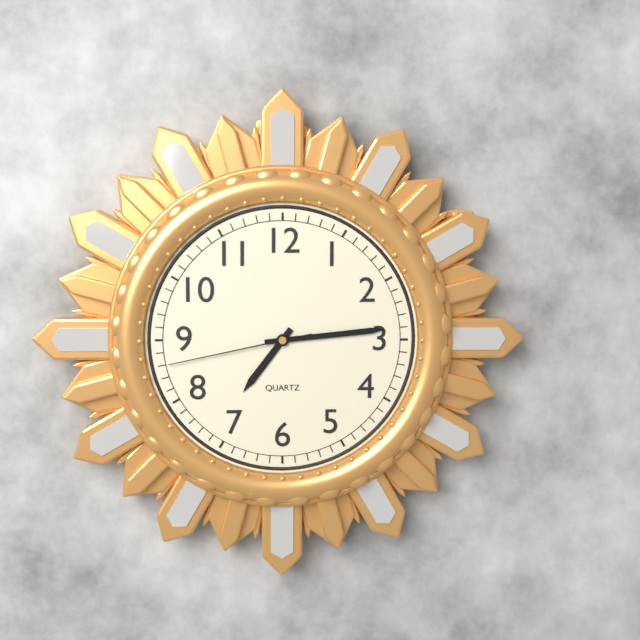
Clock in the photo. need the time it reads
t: 7:14:43
